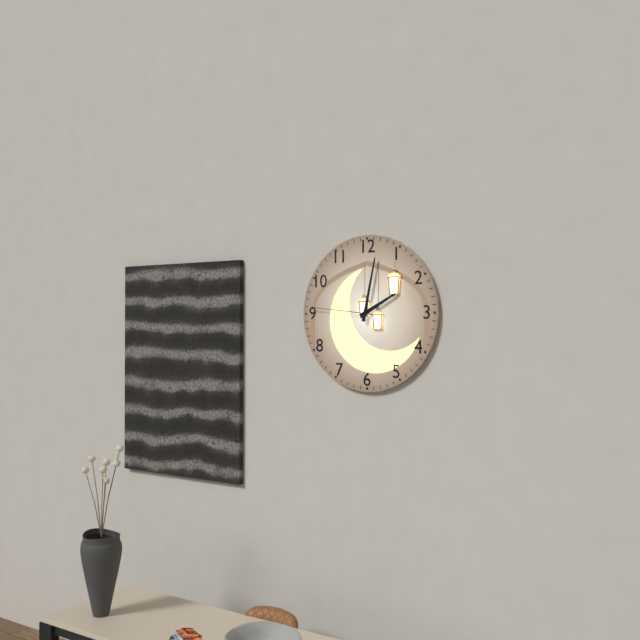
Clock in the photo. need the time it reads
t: 2:02:46
